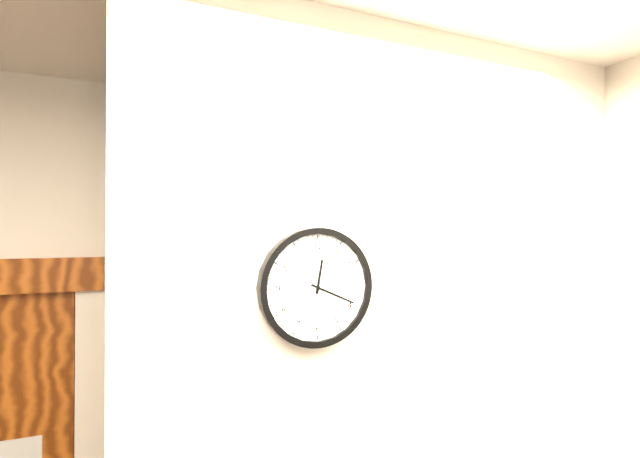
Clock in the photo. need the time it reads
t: 12:19
